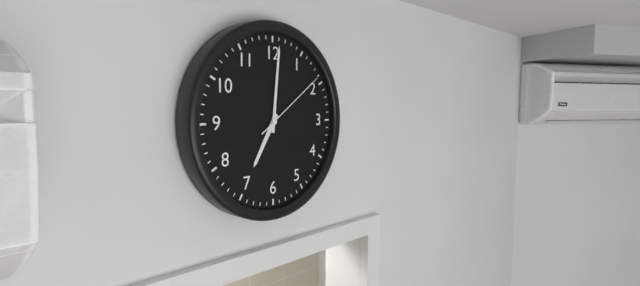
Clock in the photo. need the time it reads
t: 7:01:09
